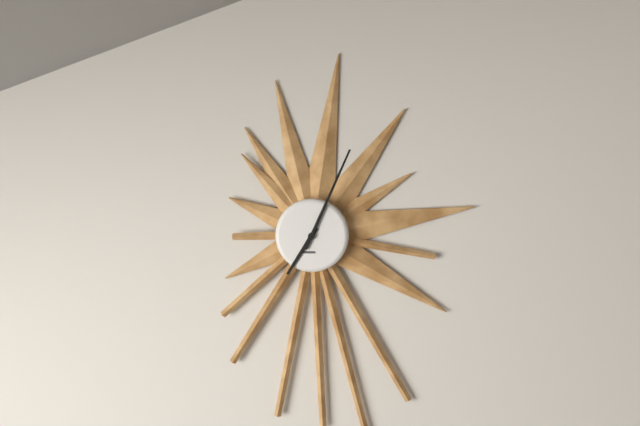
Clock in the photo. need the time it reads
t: 7:04
